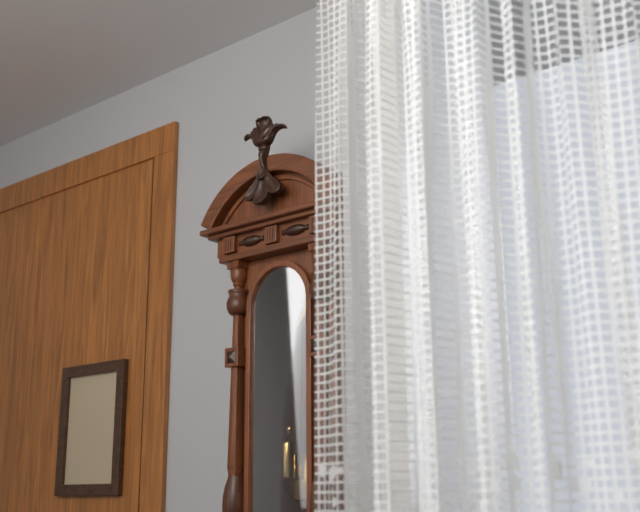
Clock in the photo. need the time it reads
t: 1:07
